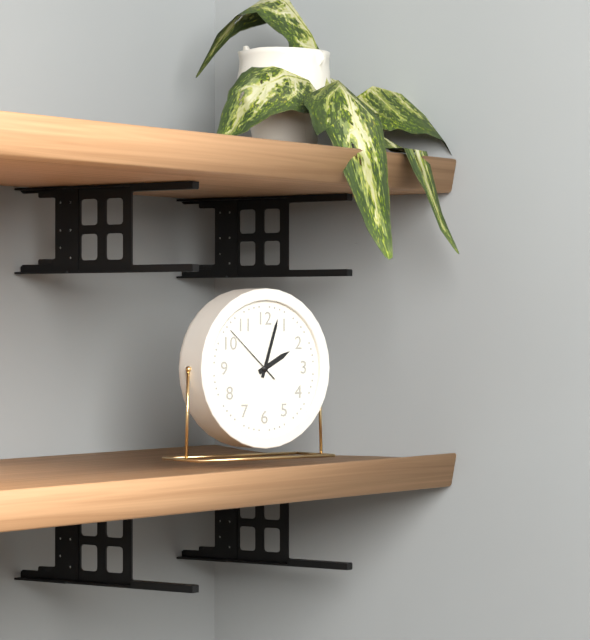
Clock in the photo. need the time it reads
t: 2:03:52
